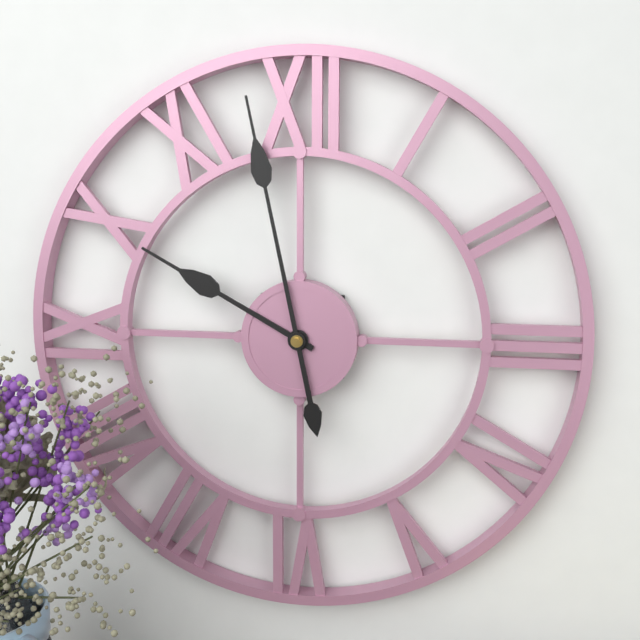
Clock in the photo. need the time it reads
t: 9:58
